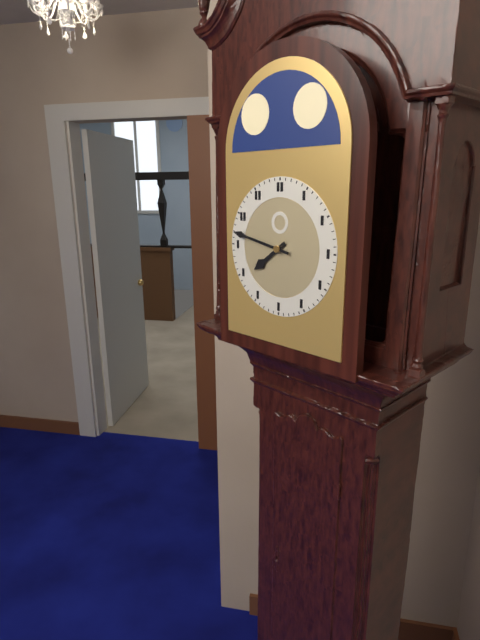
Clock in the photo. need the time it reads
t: 7:47
